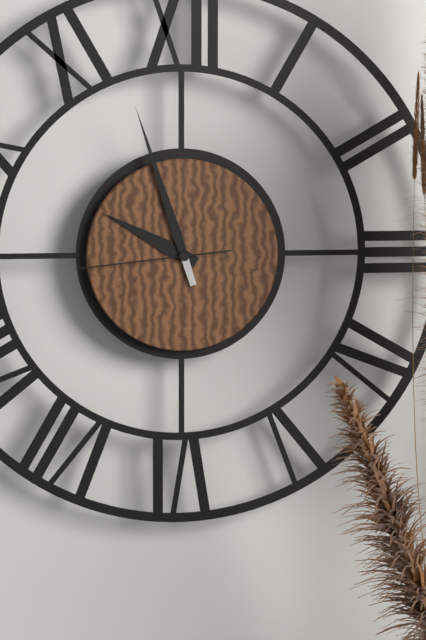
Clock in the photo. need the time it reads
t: 9:57:44
